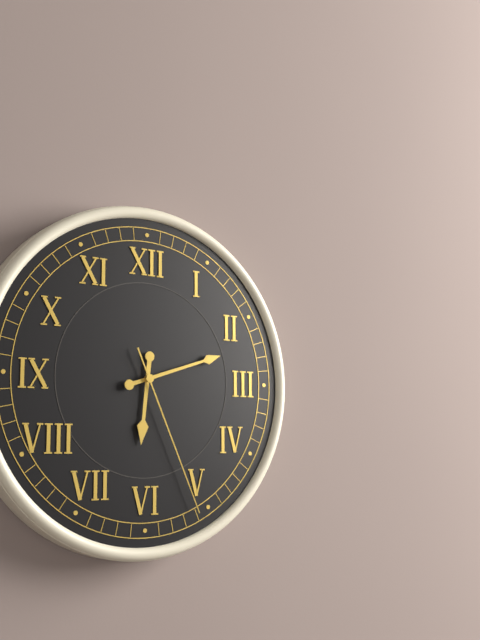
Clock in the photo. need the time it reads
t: 6:12:26
